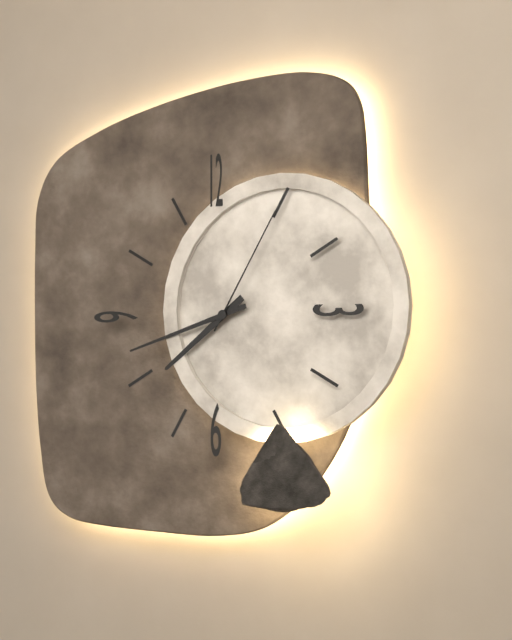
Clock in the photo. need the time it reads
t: 7:42:05
